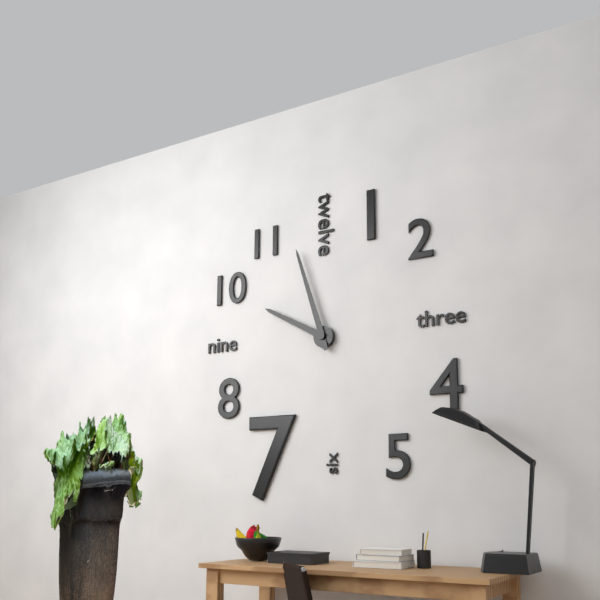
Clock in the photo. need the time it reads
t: 9:57
